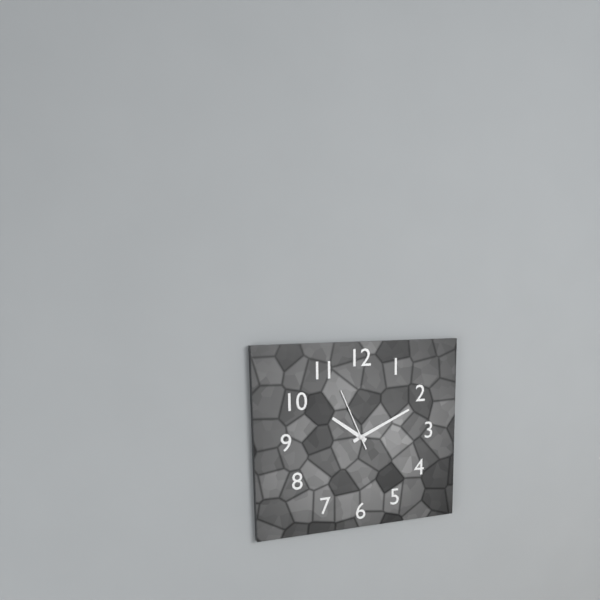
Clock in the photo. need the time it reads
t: 10:11:56
